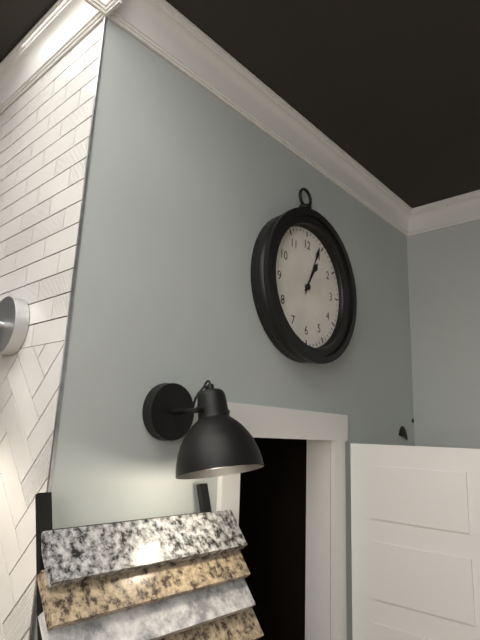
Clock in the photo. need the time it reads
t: 1:04
